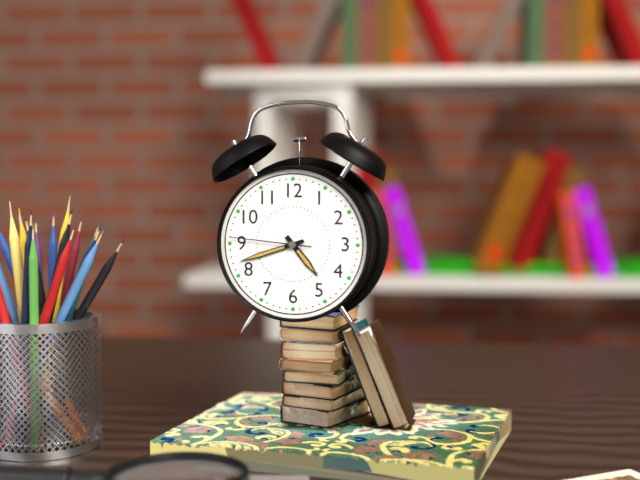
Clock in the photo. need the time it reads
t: 4:42:46
